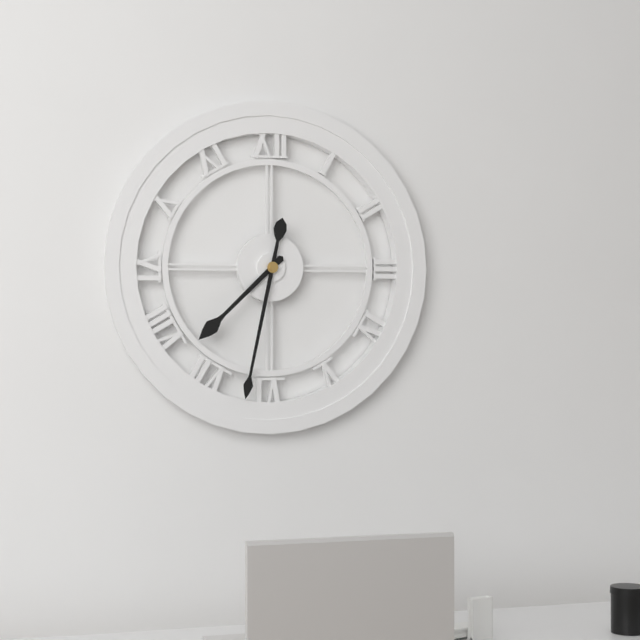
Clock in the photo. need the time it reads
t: 7:32
